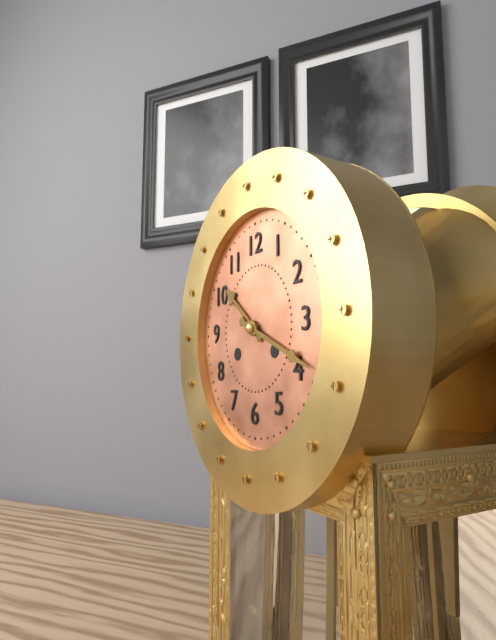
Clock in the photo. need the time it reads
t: 10:19
